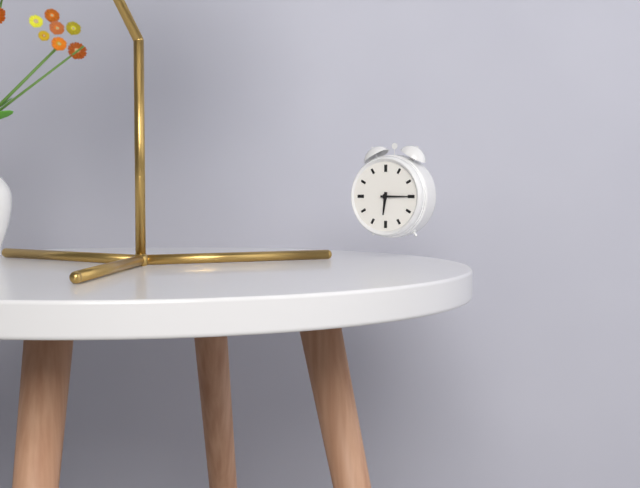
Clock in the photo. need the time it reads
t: 6:15
